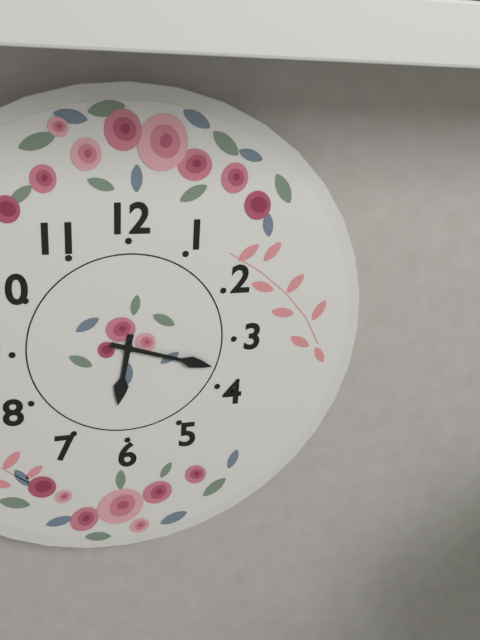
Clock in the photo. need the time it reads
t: 6:18
